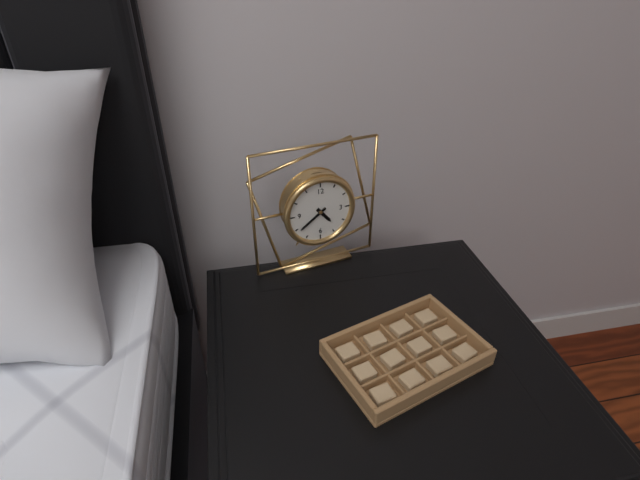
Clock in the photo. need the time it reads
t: 4:39
